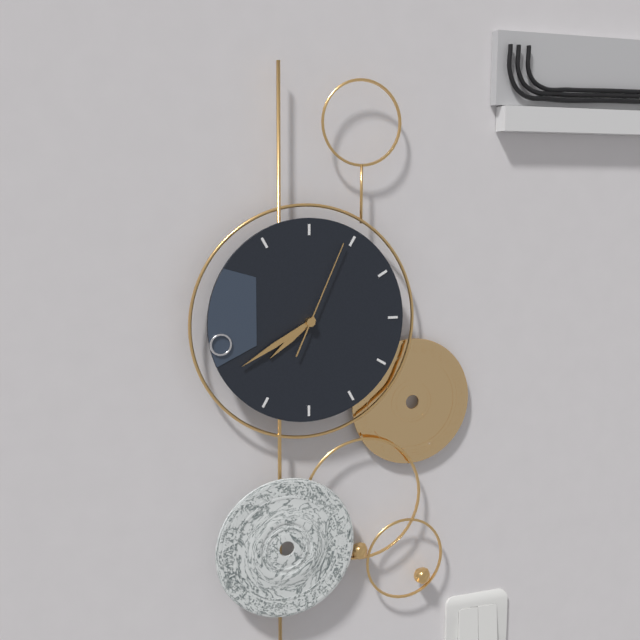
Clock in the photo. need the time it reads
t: 7:40:04
